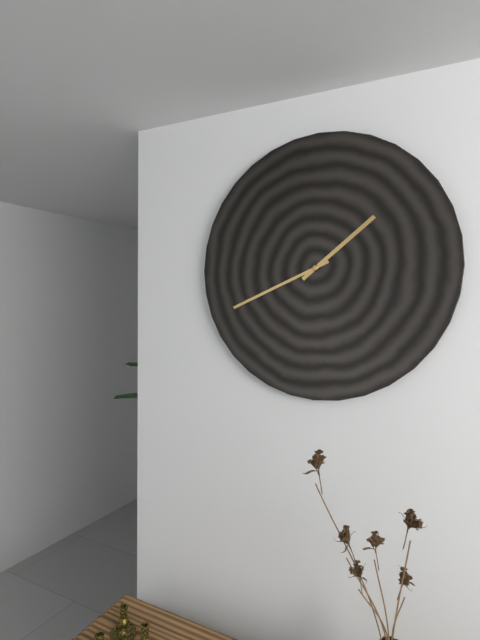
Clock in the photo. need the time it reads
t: 1:41
